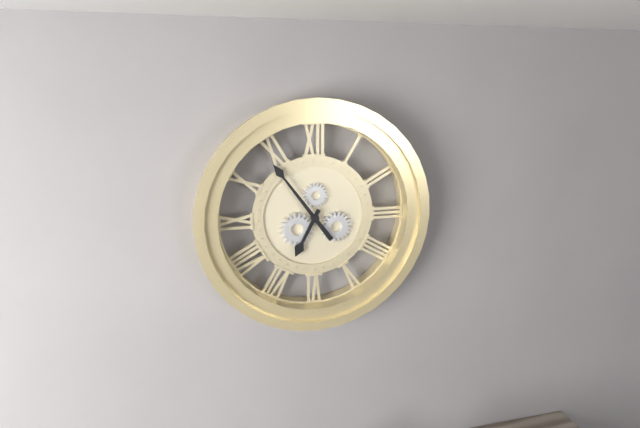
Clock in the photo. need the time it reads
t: 6:54
